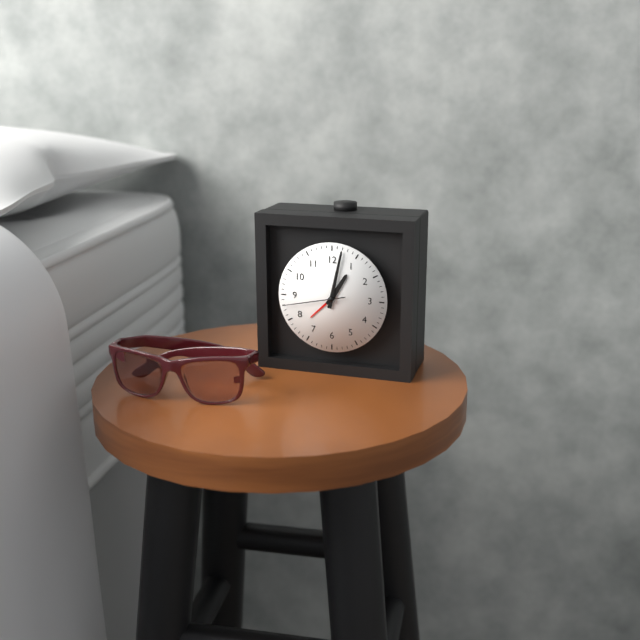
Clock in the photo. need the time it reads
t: 1:02:43
